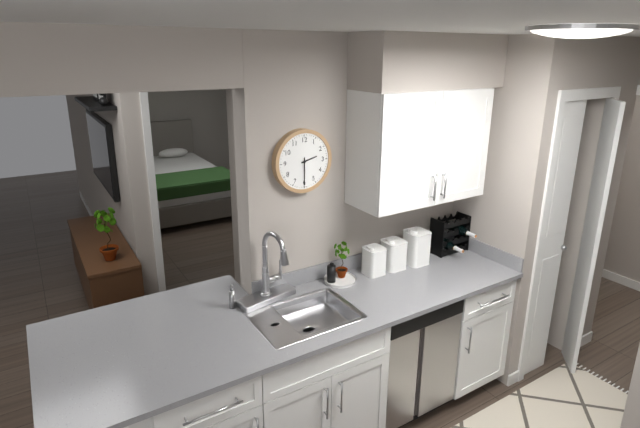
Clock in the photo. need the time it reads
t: 2:30
